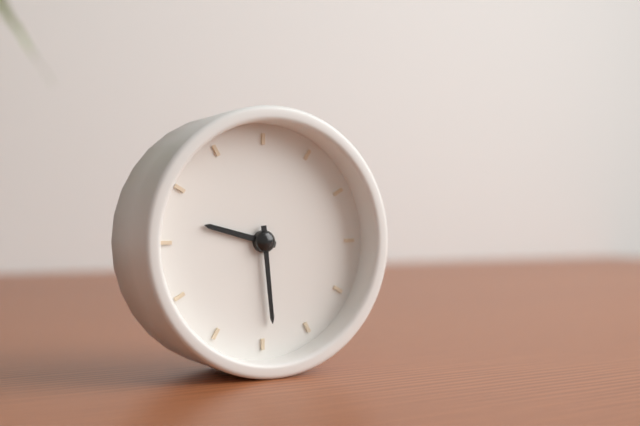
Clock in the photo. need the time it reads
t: 9:29
